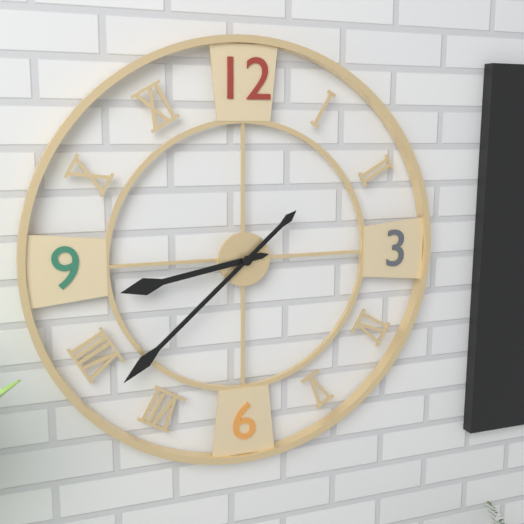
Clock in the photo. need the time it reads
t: 8:38
